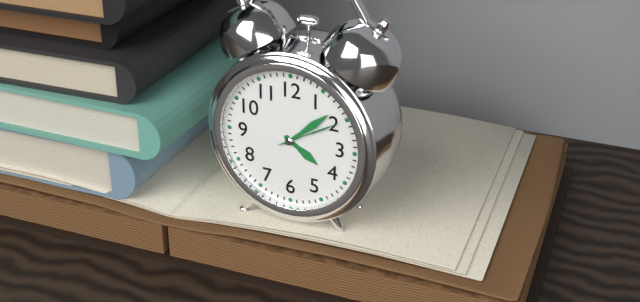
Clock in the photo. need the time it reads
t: 4:08:10
